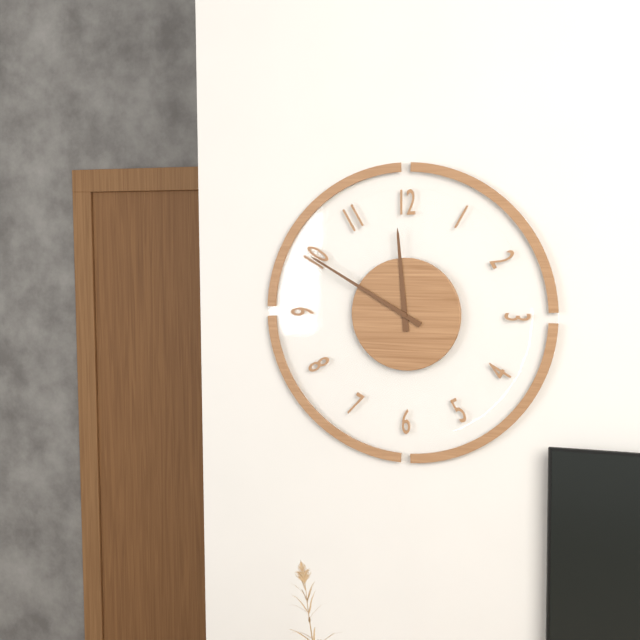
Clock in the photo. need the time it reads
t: 11:50
